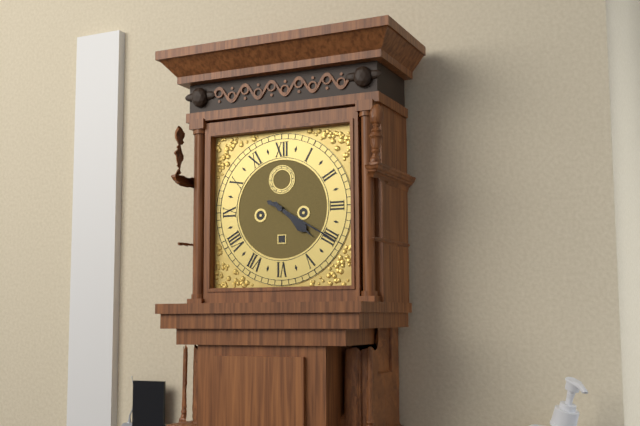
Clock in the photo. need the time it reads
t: 4:20
